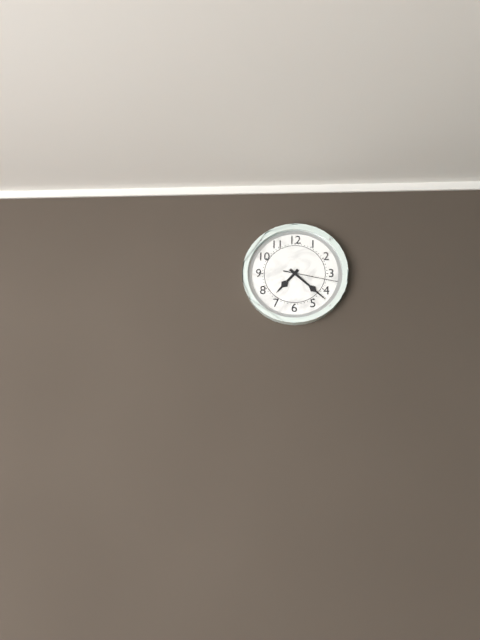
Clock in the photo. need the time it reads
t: 7:22:17
